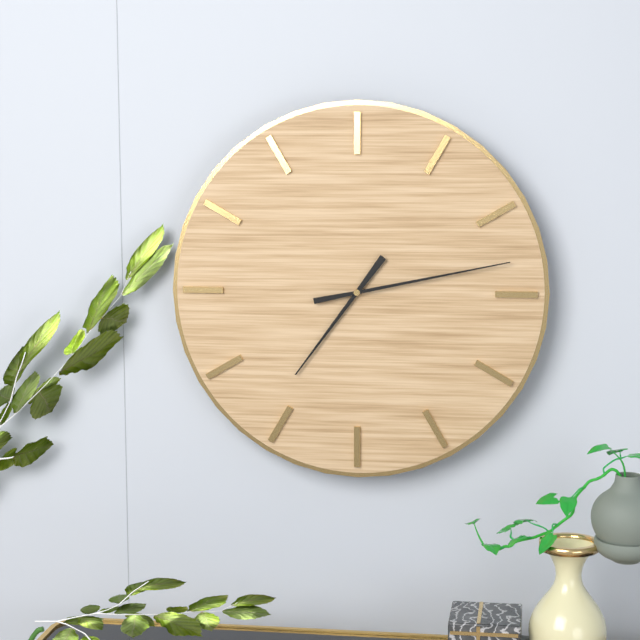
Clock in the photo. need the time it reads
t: 7:13
